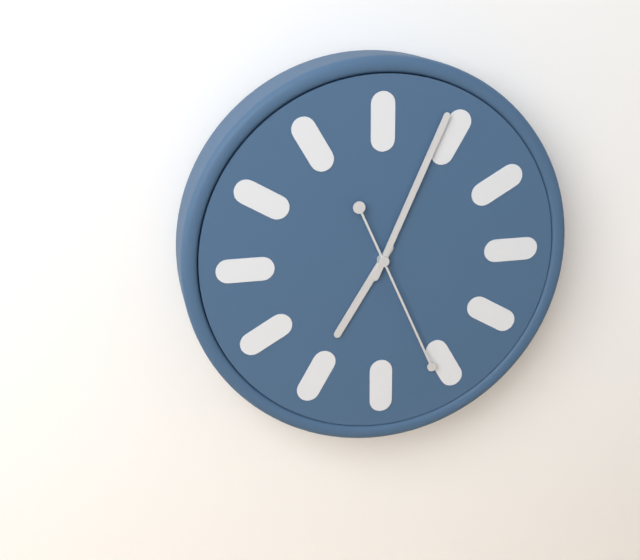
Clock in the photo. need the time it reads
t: 7:04:26
